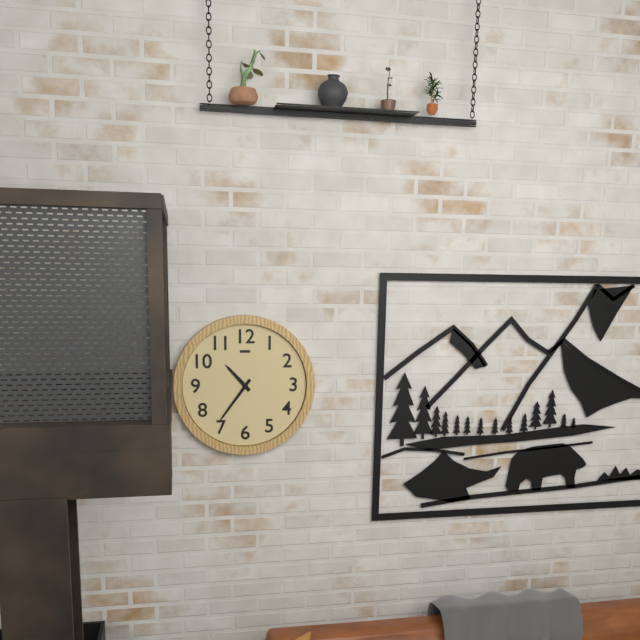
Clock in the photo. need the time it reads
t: 10:36
